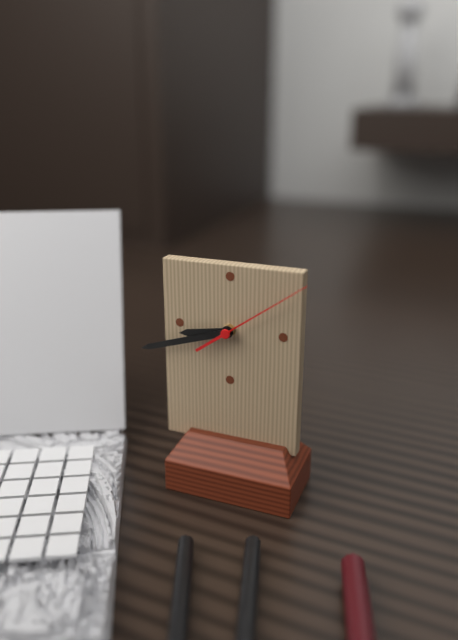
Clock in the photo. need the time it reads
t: 8:42:09
